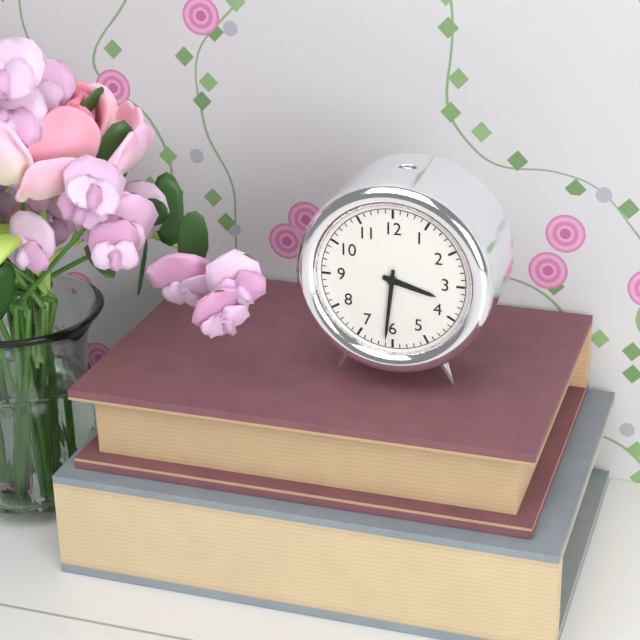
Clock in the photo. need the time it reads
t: 3:31
